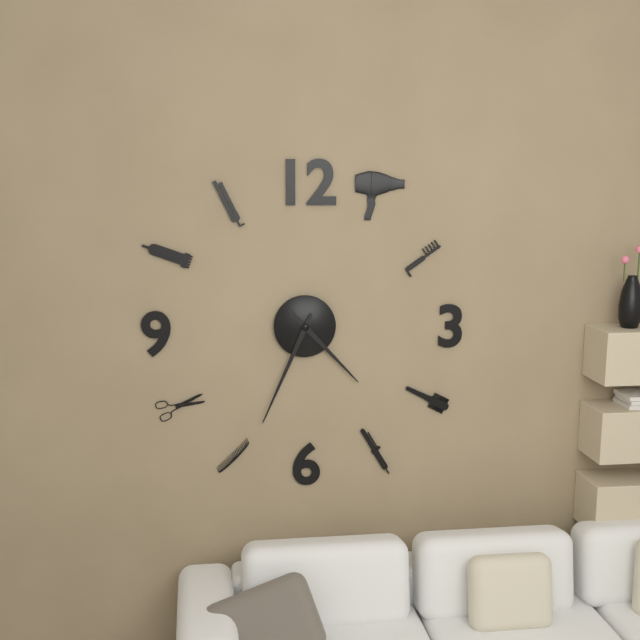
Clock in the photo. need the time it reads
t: 4:34
